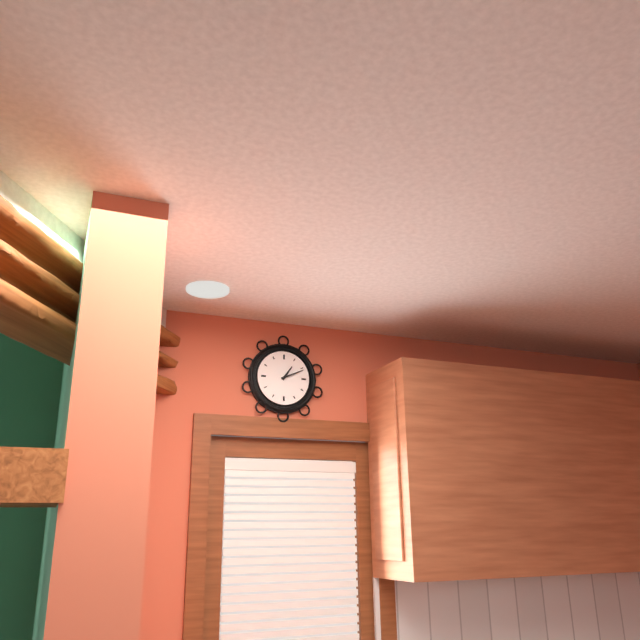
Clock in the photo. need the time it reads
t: 1:11
